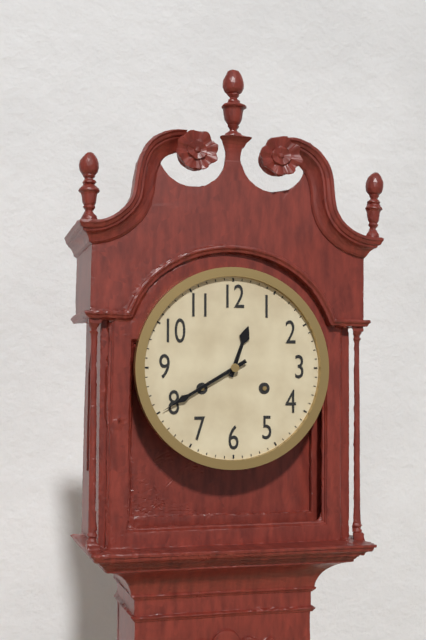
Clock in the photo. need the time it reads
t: 12:40
